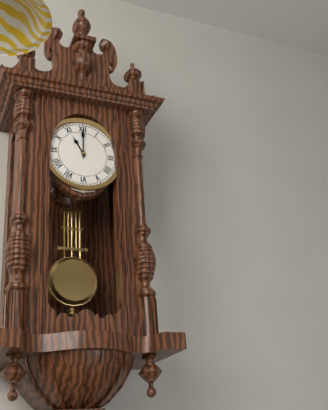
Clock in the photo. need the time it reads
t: 11:00
